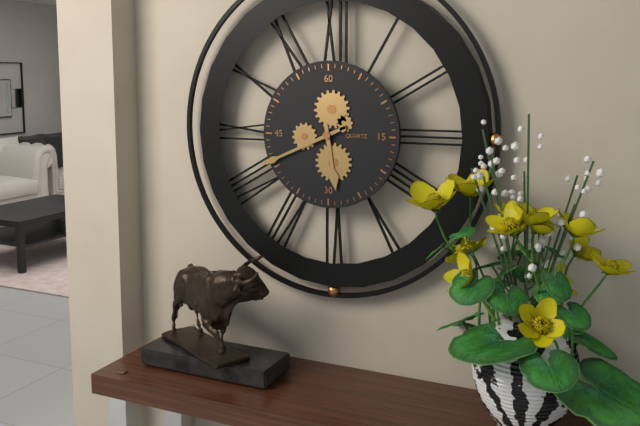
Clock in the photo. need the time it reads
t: 5:41
